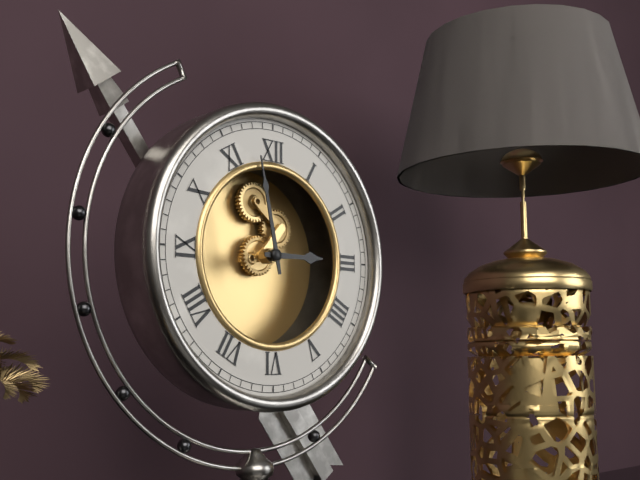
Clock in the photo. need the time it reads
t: 2:58
